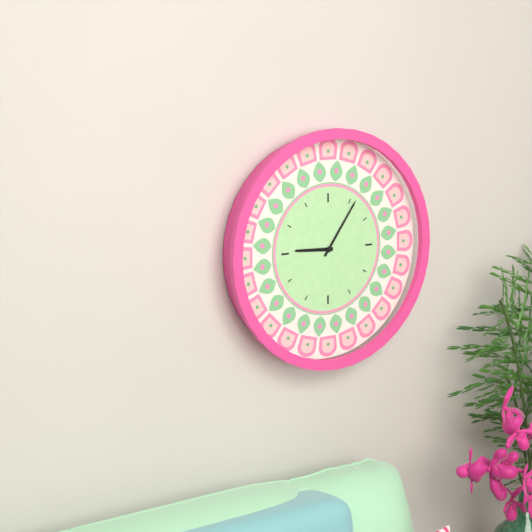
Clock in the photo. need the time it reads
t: 9:06
